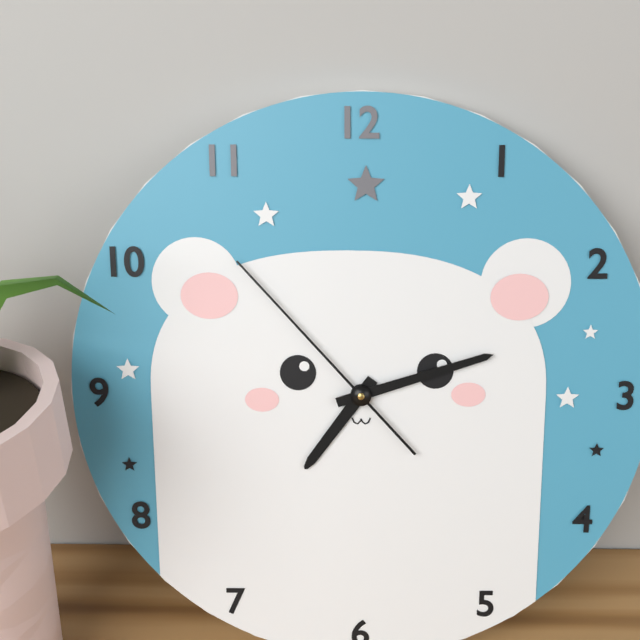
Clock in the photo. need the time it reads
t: 7:12:53
